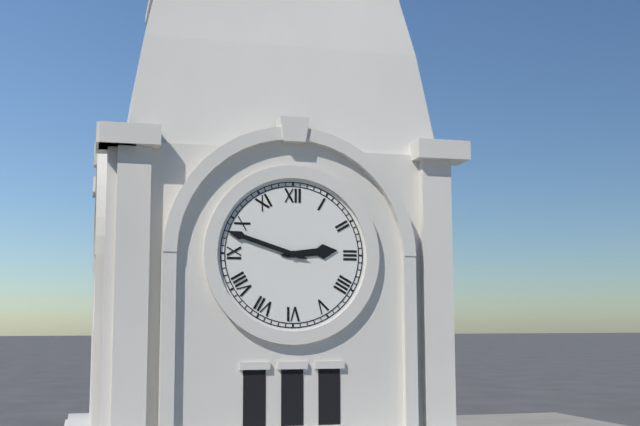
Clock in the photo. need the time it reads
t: 2:48
